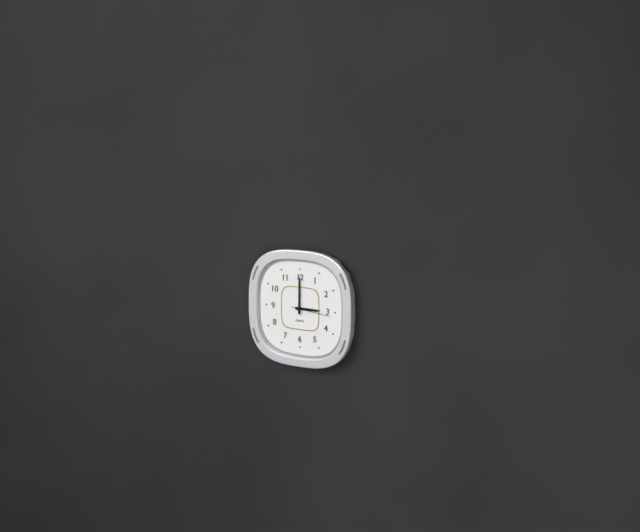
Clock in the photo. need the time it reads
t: 3:00
